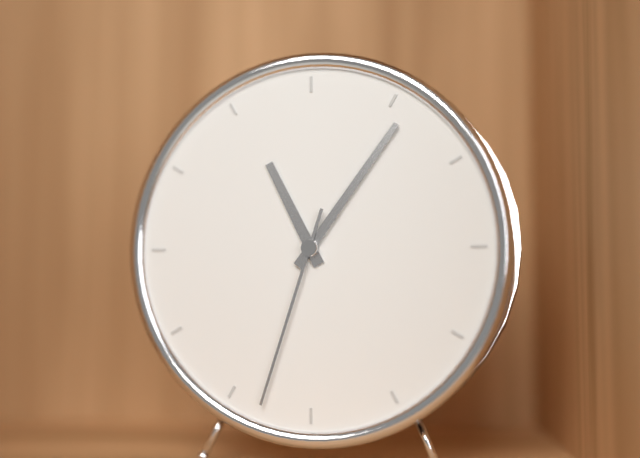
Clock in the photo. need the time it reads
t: 11:06:33
